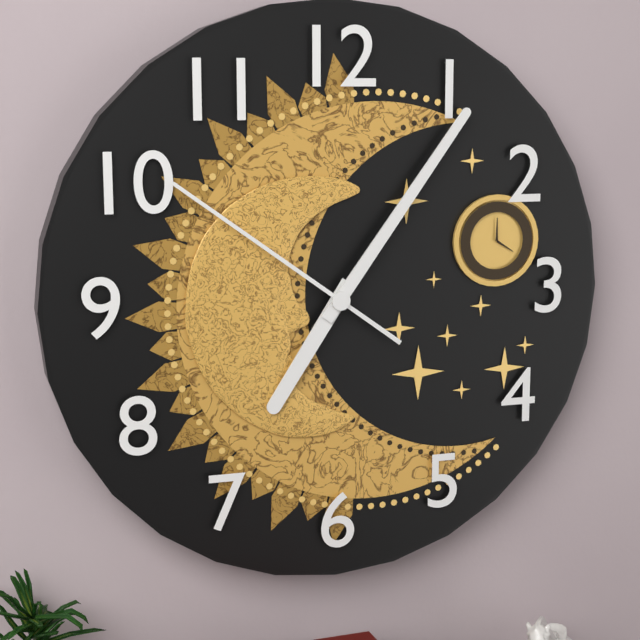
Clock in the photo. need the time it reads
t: 7:06:51
